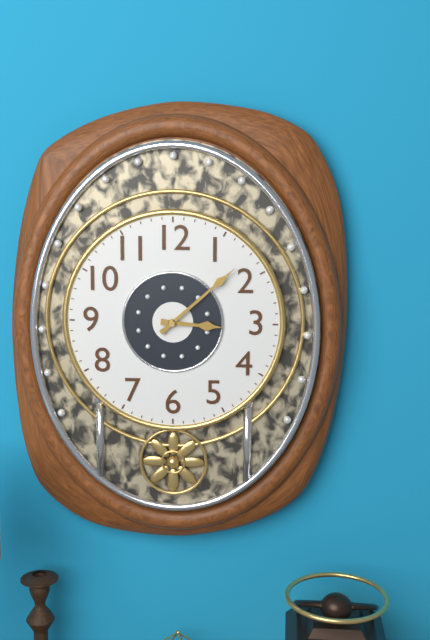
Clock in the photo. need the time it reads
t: 3:08
